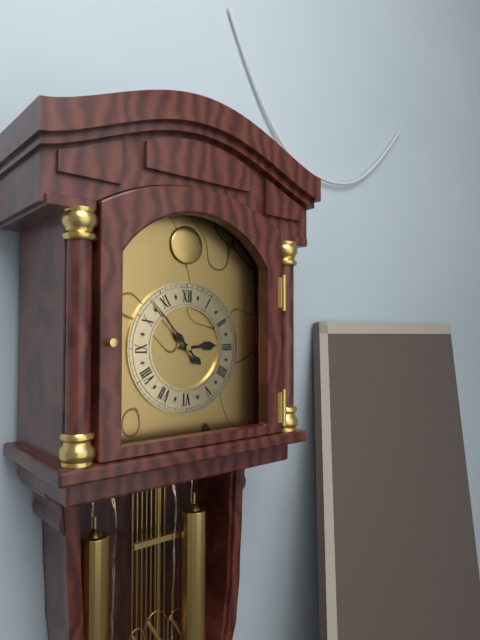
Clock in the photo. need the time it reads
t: 2:53
